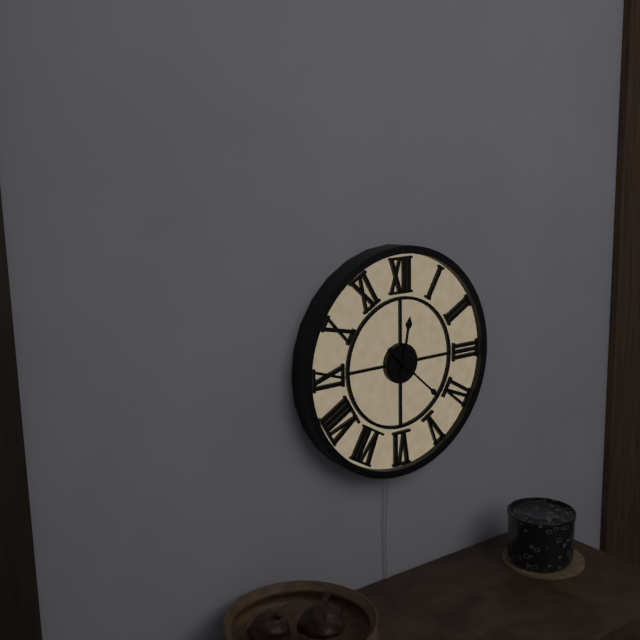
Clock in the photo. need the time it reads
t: 12:22
